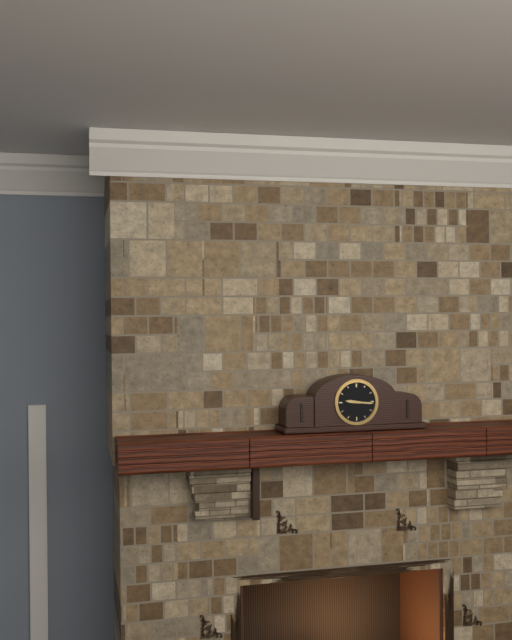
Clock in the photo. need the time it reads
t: 9:16
